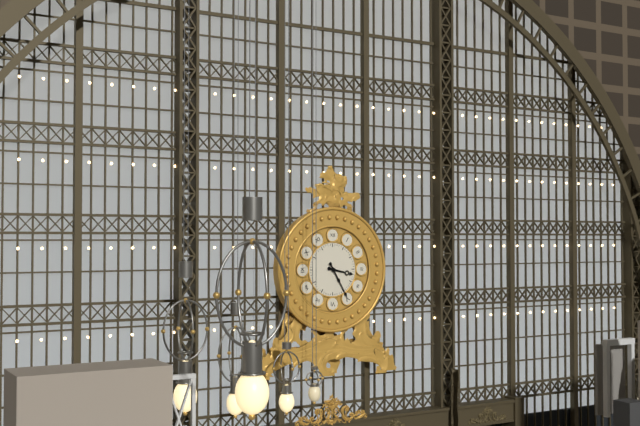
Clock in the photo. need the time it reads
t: 3:25
